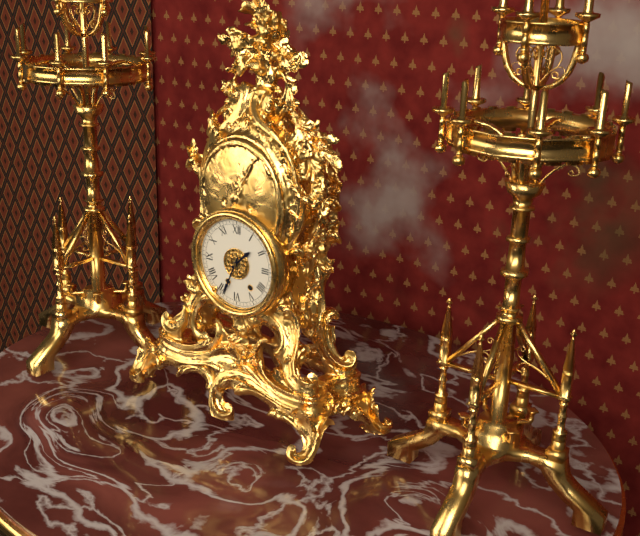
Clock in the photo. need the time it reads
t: 1:34
